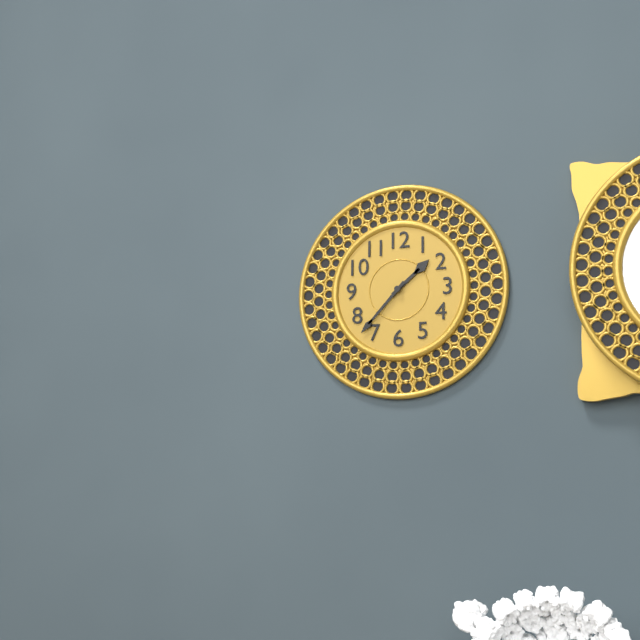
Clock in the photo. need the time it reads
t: 1:37
